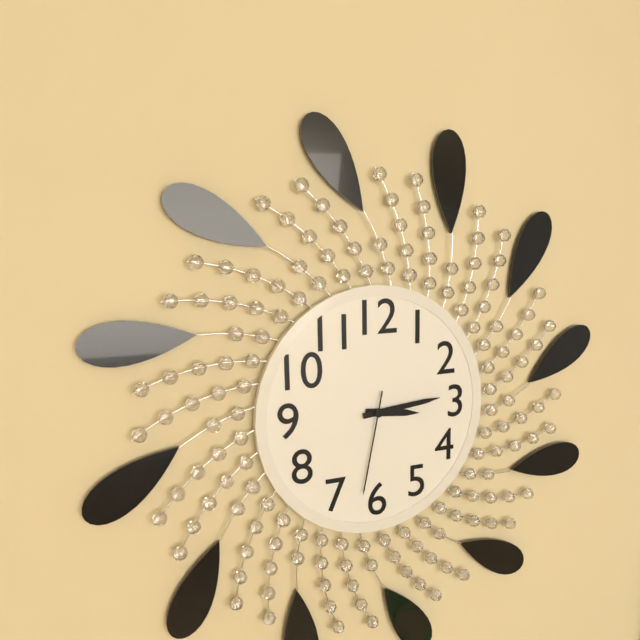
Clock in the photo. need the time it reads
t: 3:14:32
